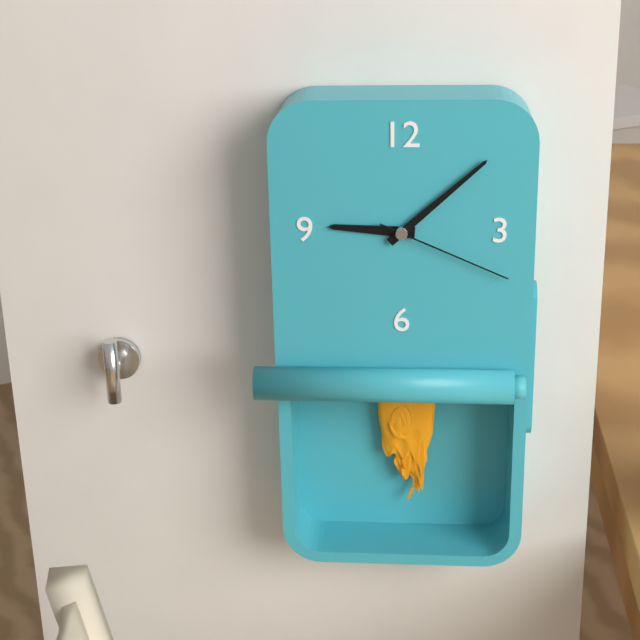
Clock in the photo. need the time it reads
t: 9:08:19
